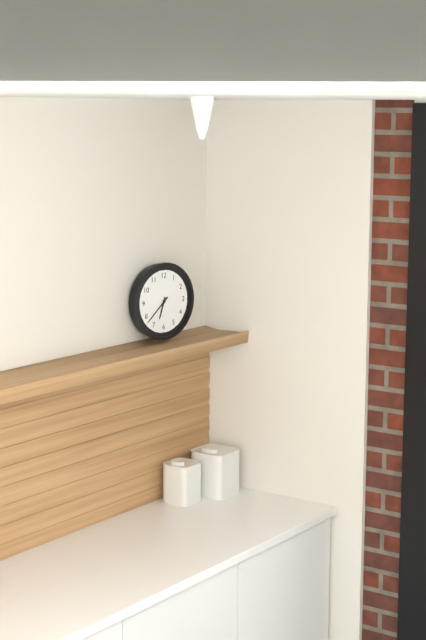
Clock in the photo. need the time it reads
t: 6:38
